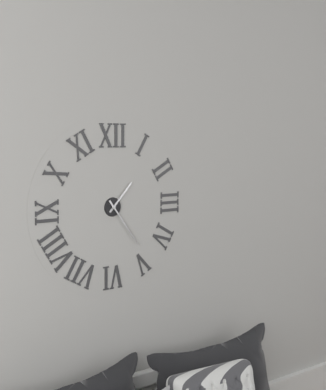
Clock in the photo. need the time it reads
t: 1:24
